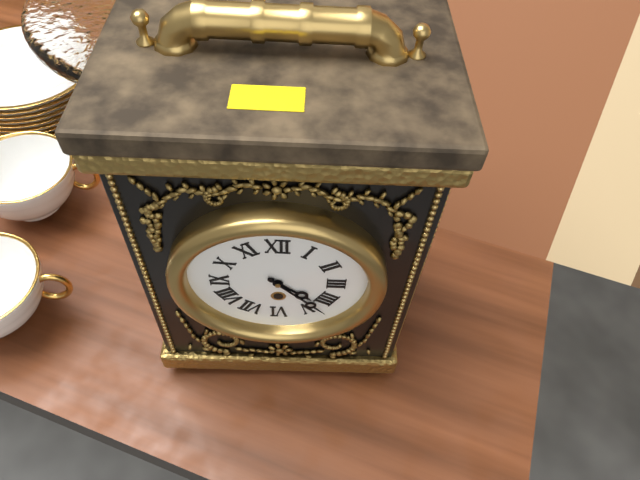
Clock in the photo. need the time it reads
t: 4:23
